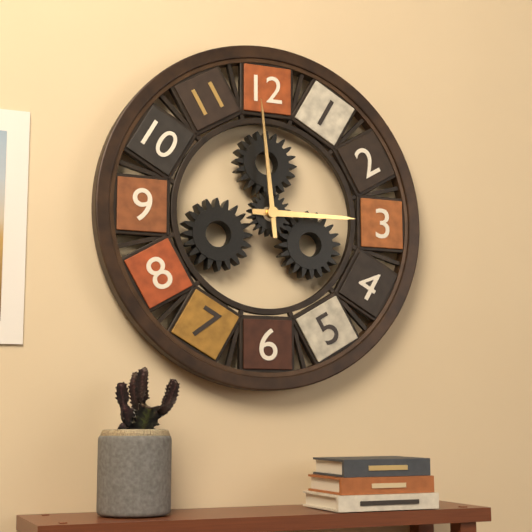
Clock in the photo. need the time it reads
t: 2:59
